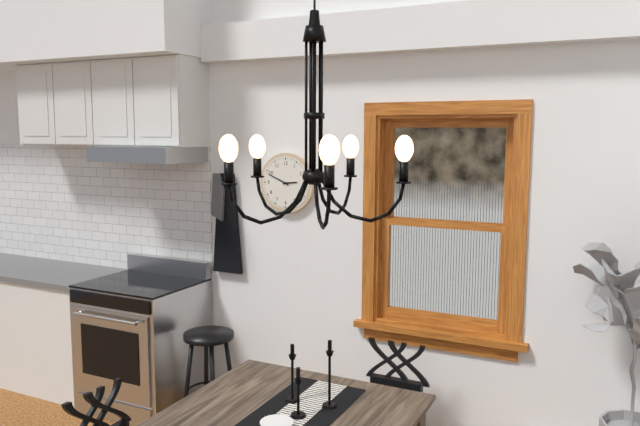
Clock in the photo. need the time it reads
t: 2:49
